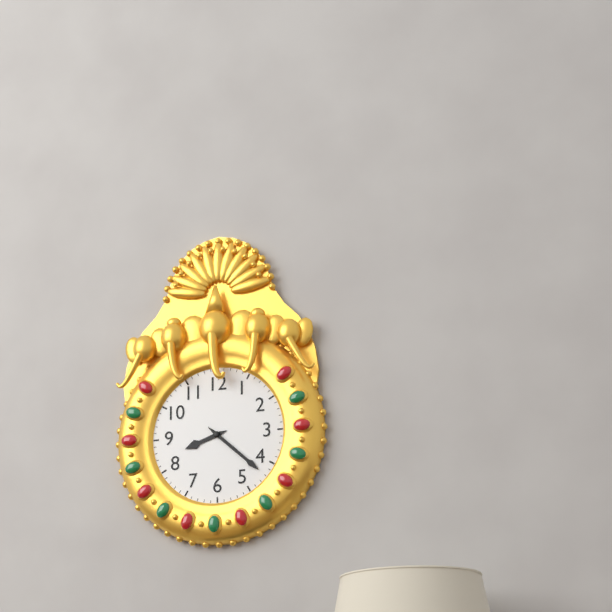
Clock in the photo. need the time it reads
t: 8:22
